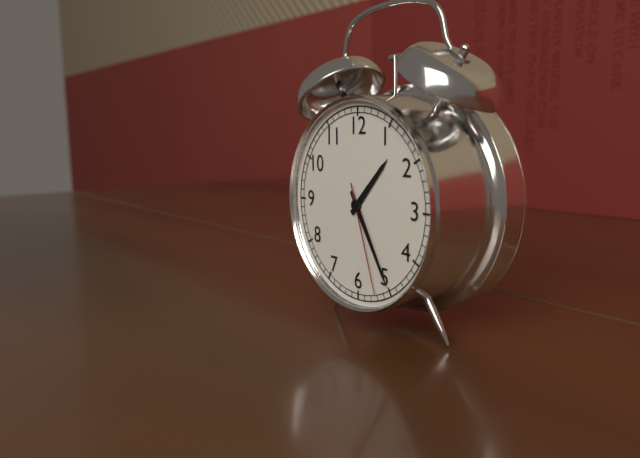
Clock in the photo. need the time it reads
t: 1:25:27
